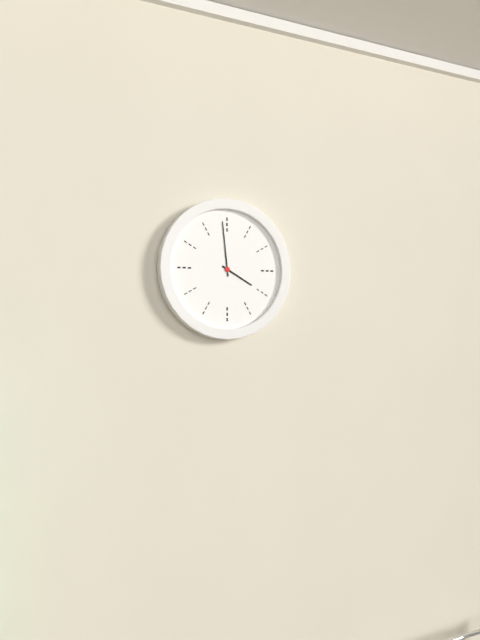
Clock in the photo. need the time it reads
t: 3:59
